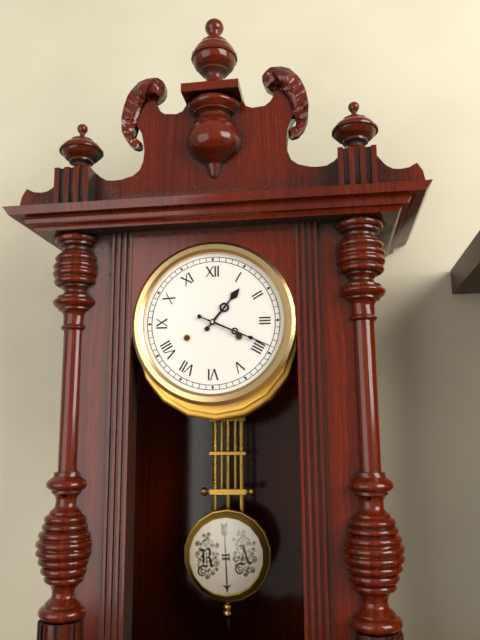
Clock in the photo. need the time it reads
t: 1:19
